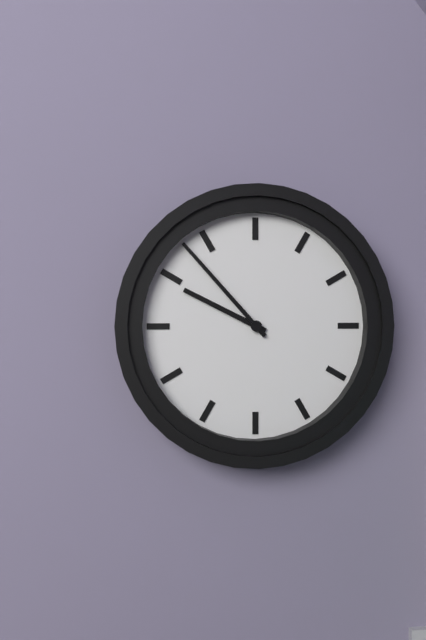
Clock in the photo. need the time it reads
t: 9:53
